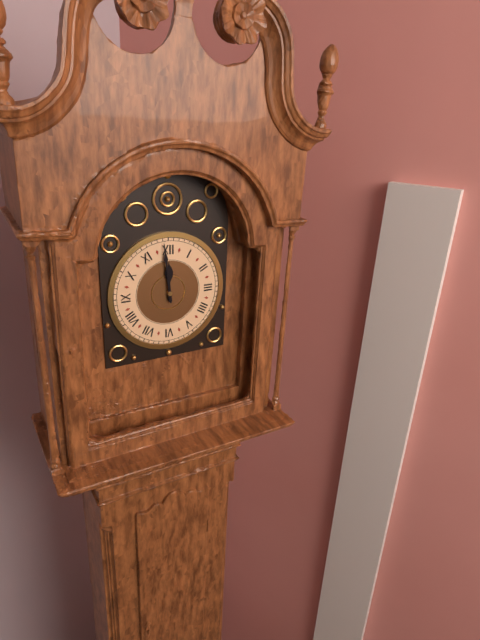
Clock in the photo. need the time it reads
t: 11:59
